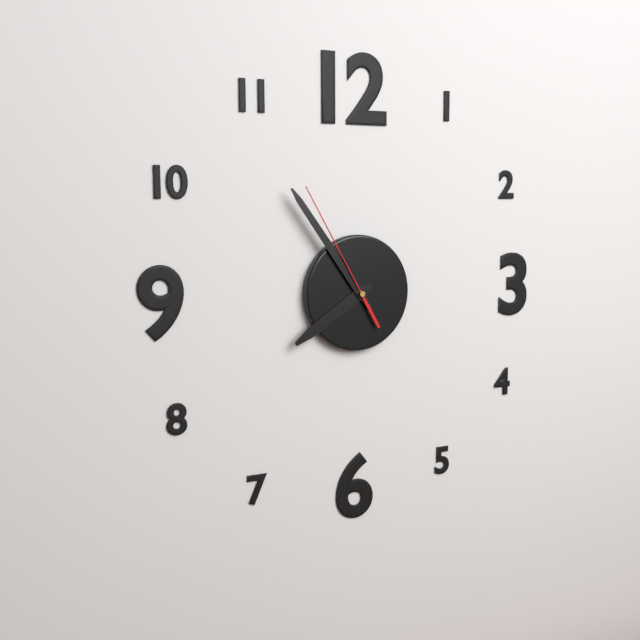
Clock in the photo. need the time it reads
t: 7:54:55
